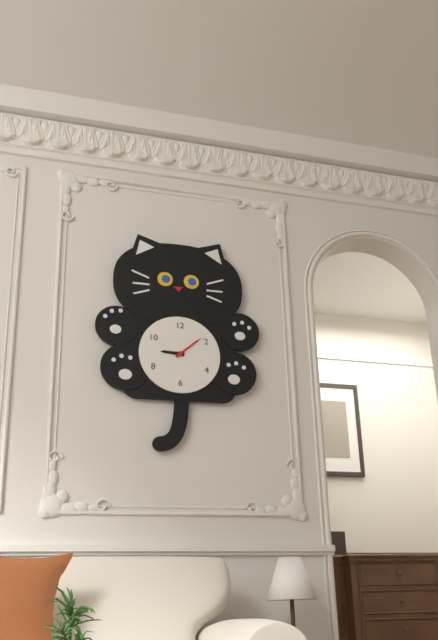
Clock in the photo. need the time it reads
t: 9:08
